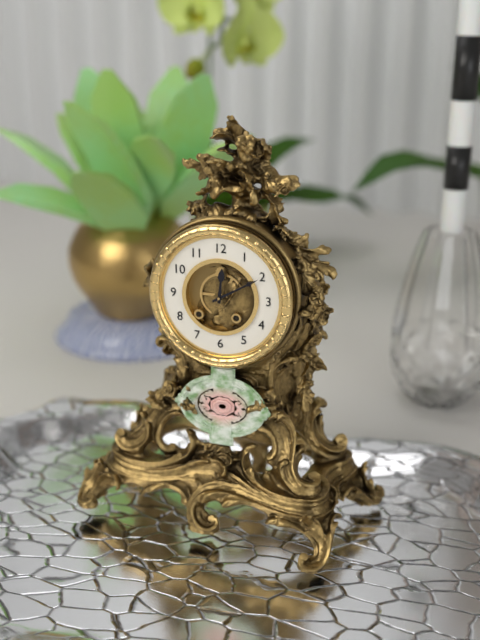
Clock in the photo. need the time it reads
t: 12:10
